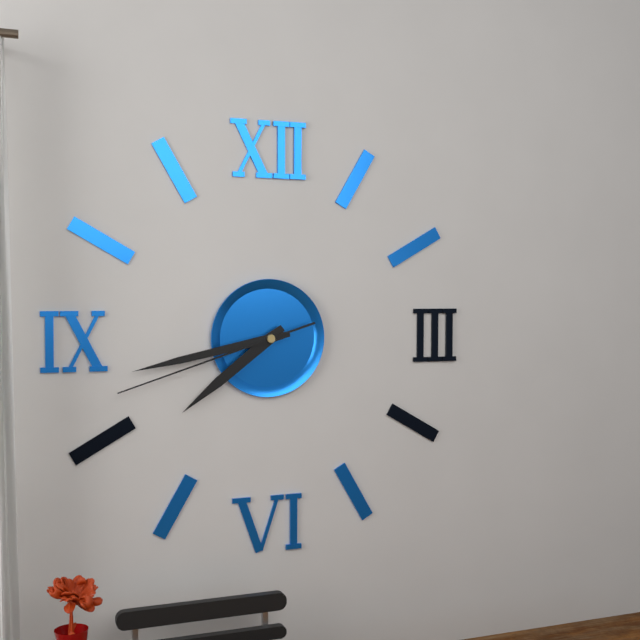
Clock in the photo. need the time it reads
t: 7:43:42
